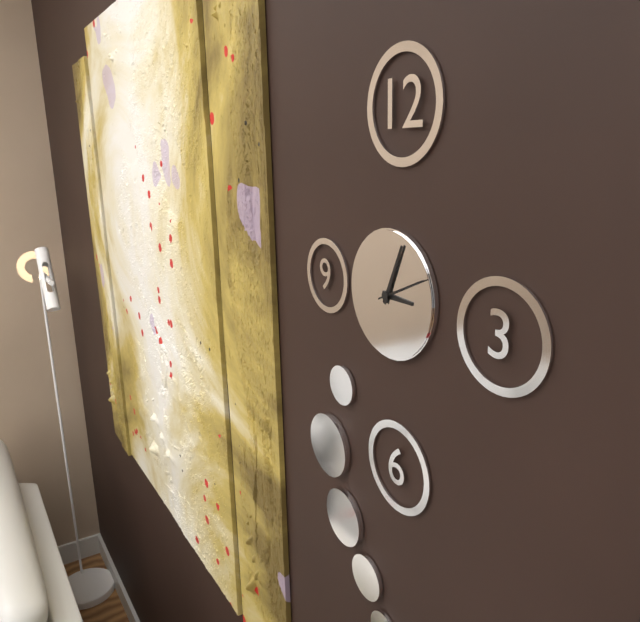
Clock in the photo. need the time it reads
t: 3:04:11
